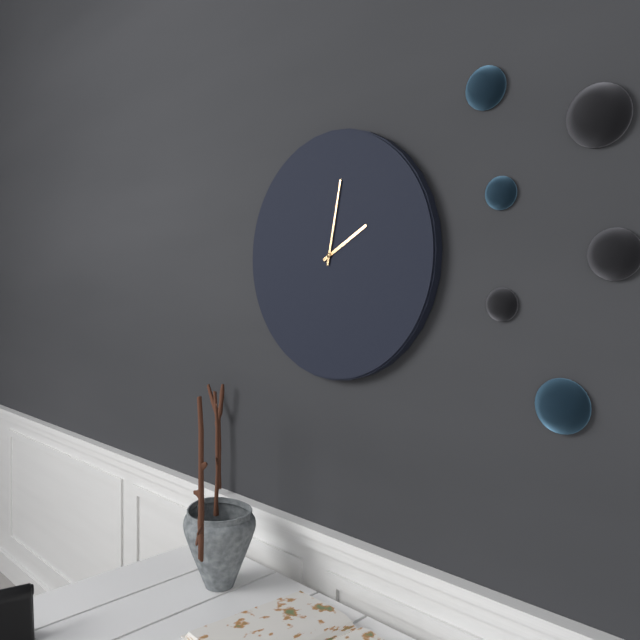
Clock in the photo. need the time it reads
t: 2:02
